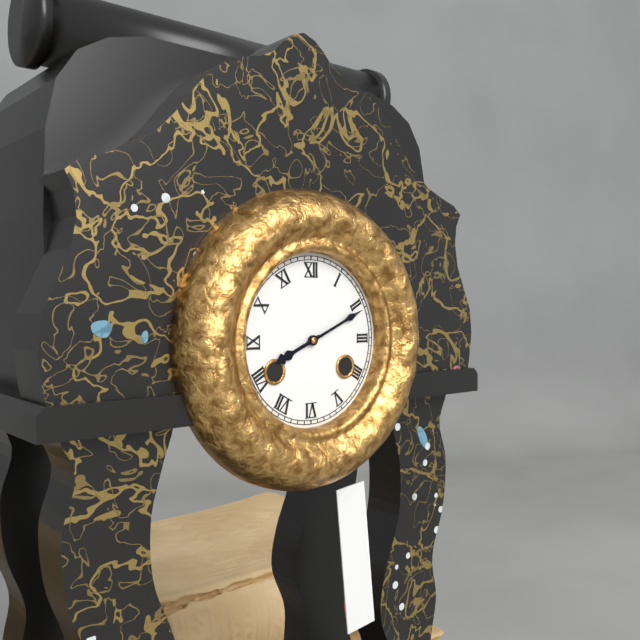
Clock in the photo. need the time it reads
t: 8:11
